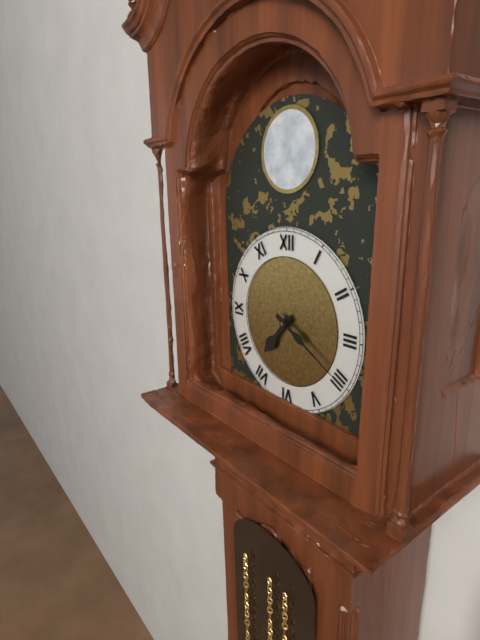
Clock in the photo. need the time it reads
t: 7:20
